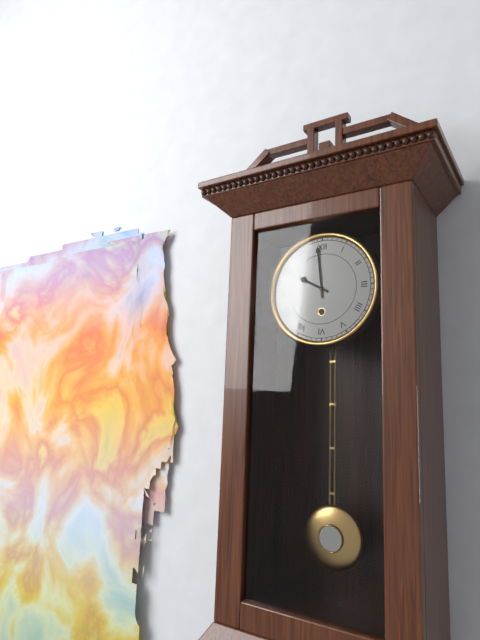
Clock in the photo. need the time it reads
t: 9:59
